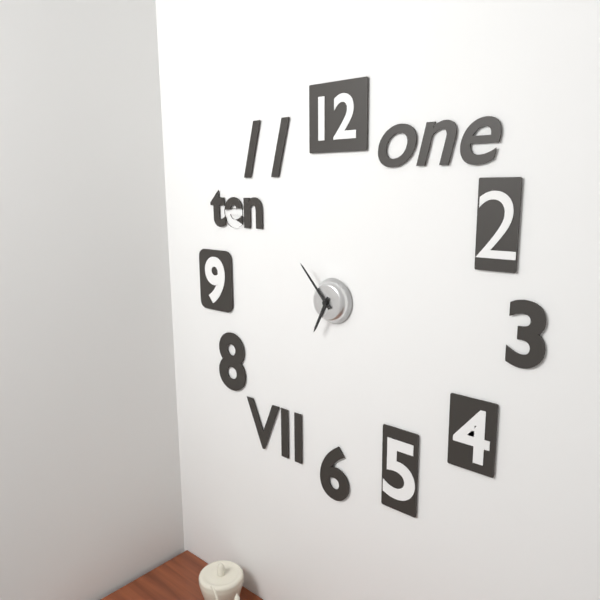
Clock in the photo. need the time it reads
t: 6:53
